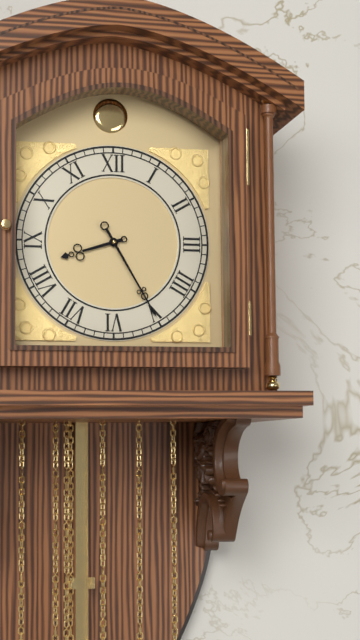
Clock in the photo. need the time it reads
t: 8:25
